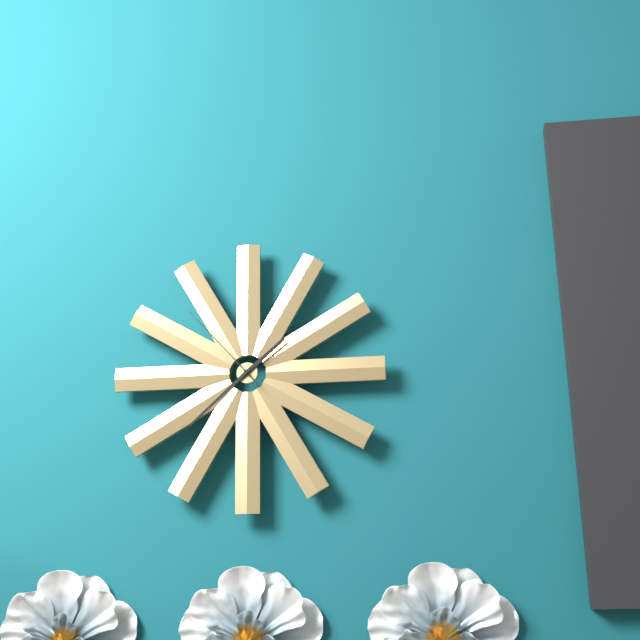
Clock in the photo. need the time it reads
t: 1:38:53
